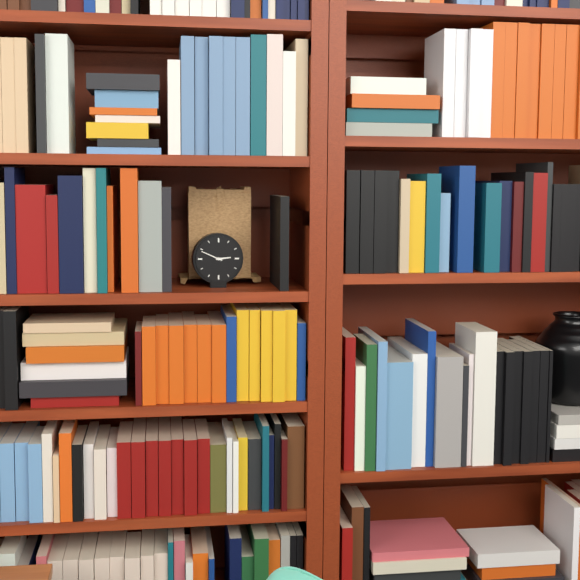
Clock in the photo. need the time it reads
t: 2:49
